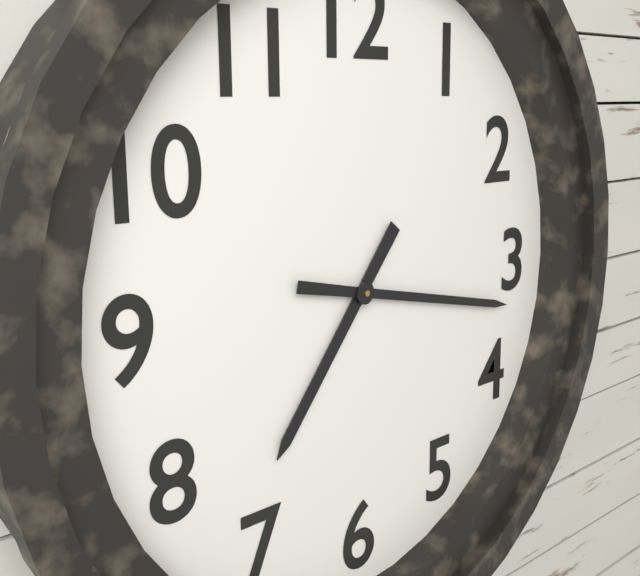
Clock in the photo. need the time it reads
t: 7:17
